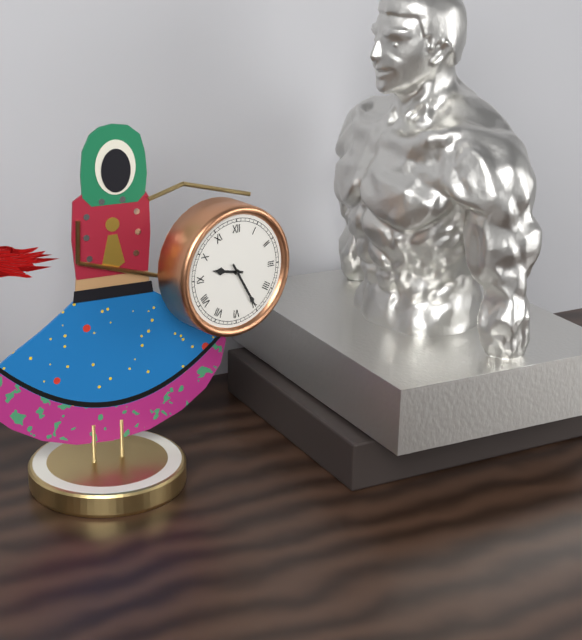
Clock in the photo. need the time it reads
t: 9:25
